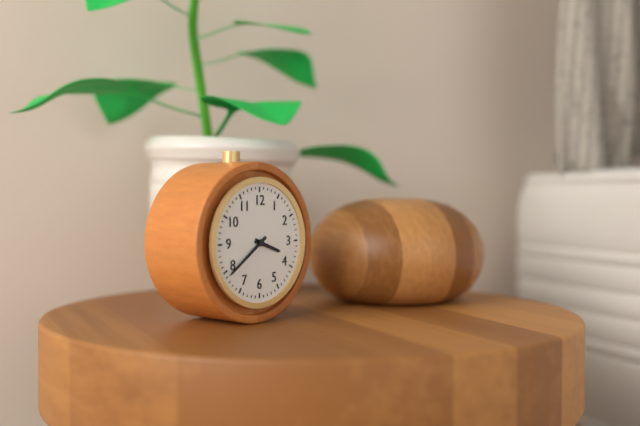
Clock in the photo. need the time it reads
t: 3:39
